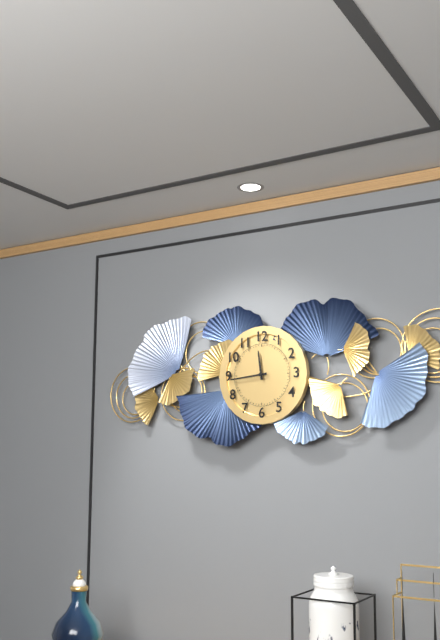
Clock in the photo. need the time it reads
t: 11:44
